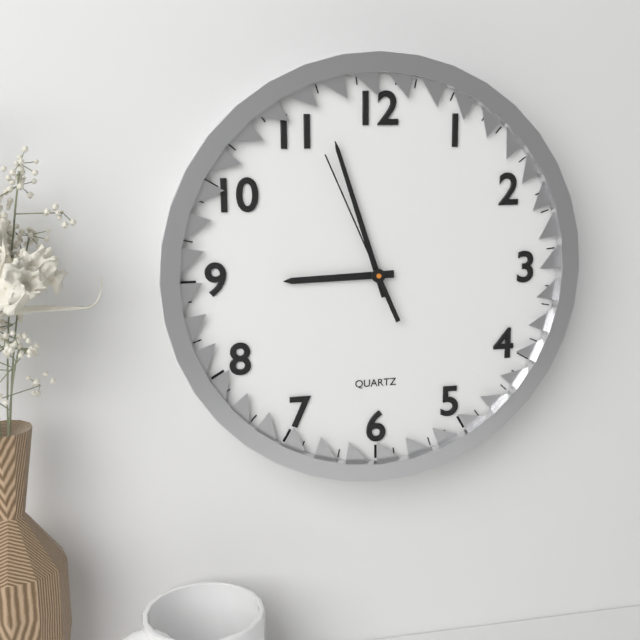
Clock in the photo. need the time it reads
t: 8:57:56
